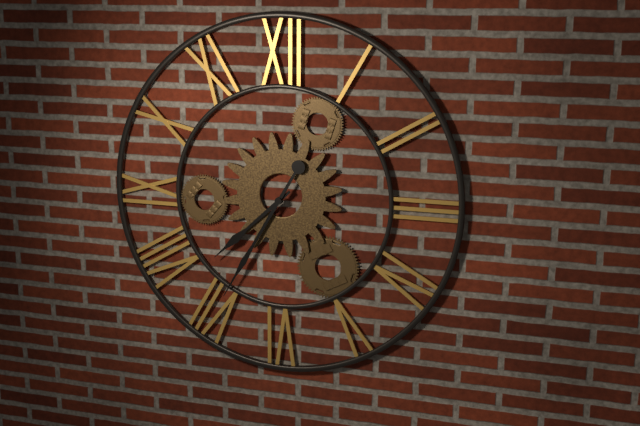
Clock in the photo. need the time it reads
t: 7:35
